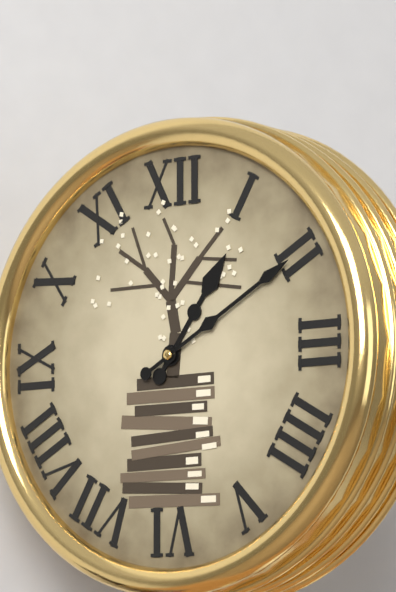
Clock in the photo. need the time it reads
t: 1:10
